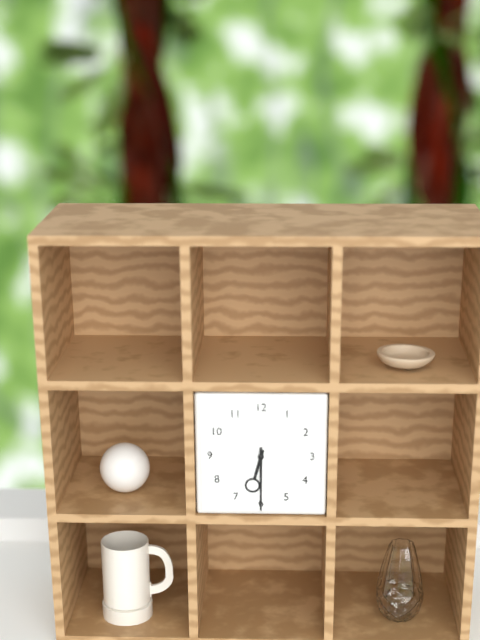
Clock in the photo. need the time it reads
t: 6:30
